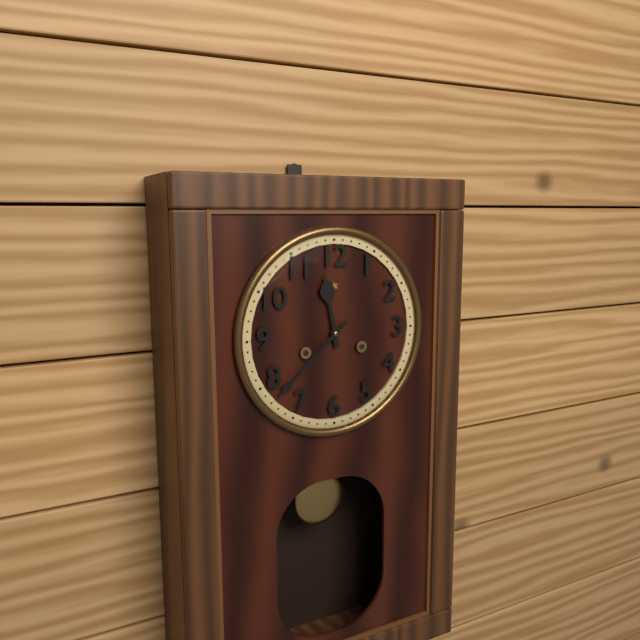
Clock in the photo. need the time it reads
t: 11:38
